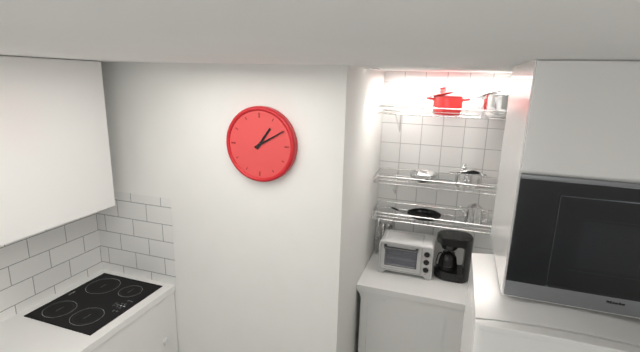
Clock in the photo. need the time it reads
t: 1:10
